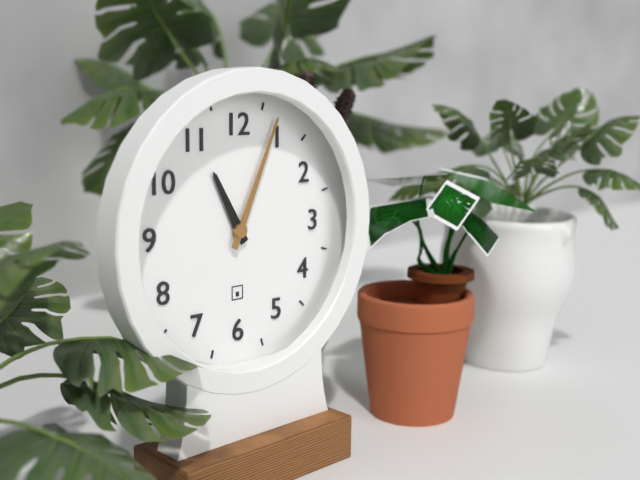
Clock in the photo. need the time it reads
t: 11:04
